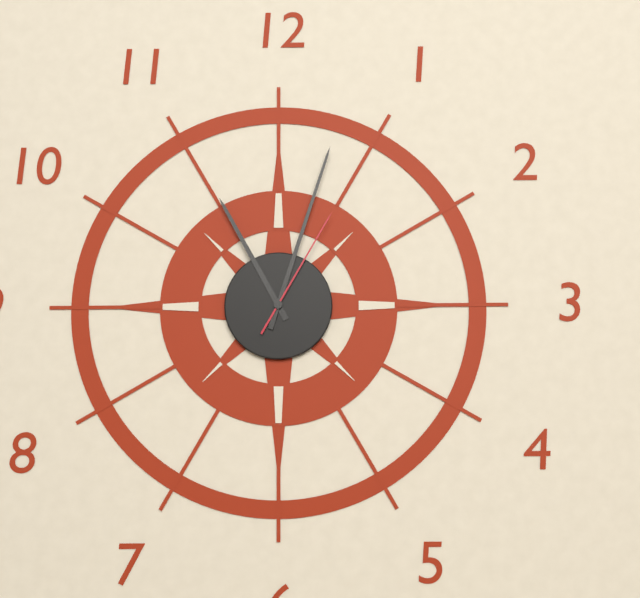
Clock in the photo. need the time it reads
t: 11:03:05
